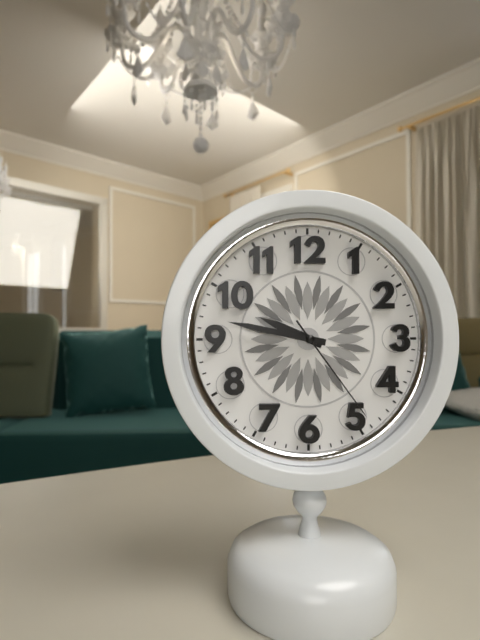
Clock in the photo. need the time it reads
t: 9:47:24
